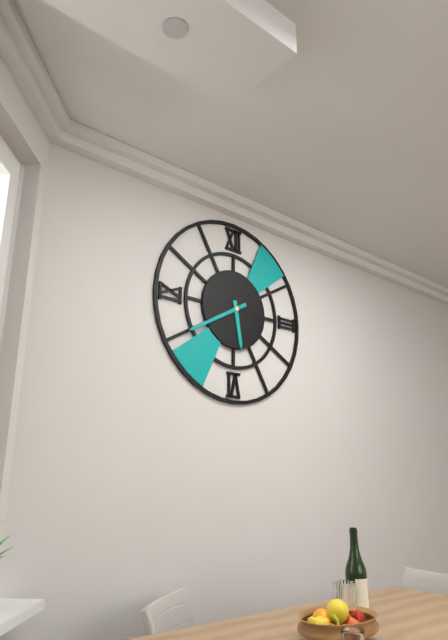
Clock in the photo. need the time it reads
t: 5:40
